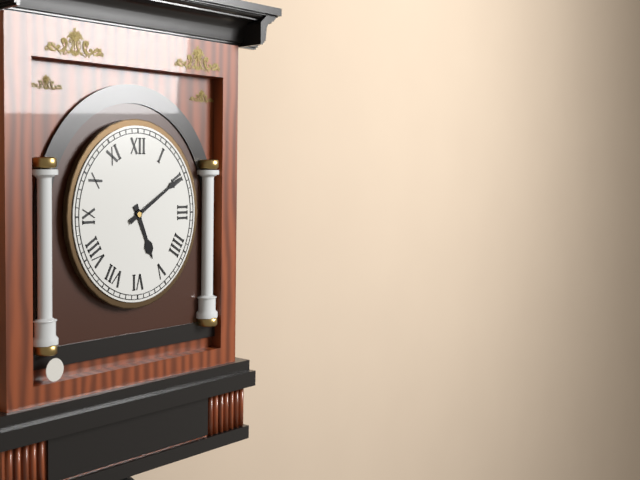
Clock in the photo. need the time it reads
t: 5:10
